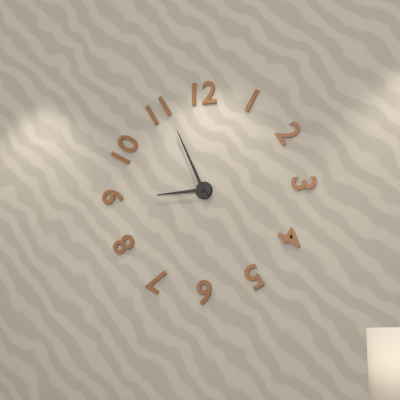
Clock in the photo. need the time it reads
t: 8:56
